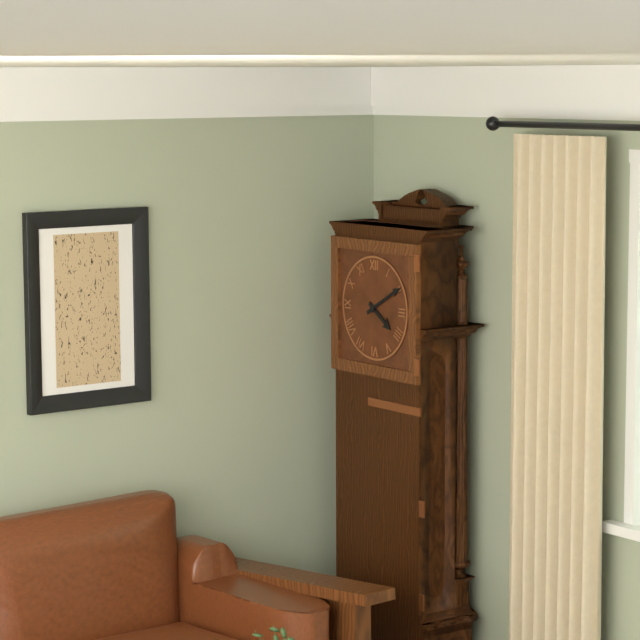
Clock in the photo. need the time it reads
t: 4:10
